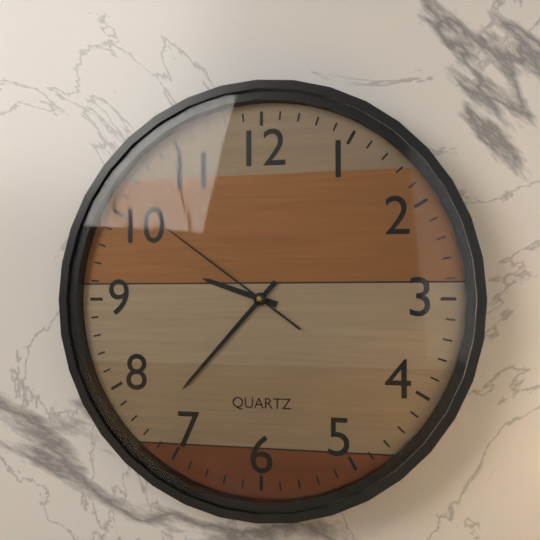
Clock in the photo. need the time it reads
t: 9:37:51
